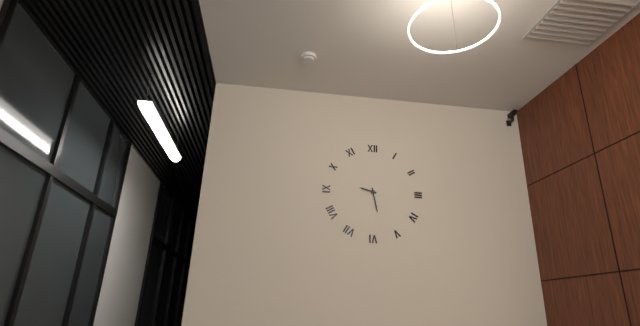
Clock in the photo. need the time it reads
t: 9:28
